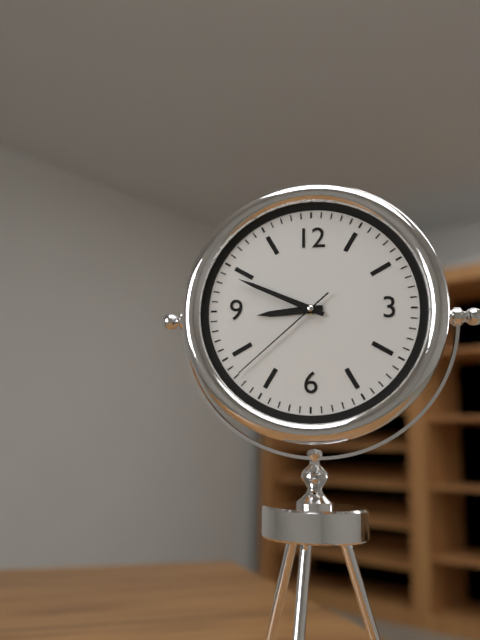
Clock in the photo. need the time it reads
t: 8:49:38
